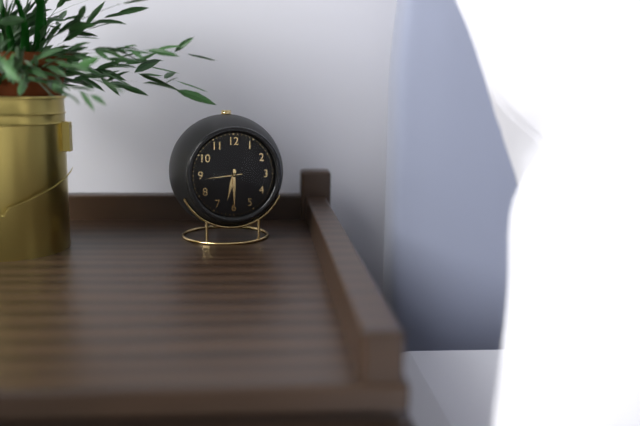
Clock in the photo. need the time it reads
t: 6:30
